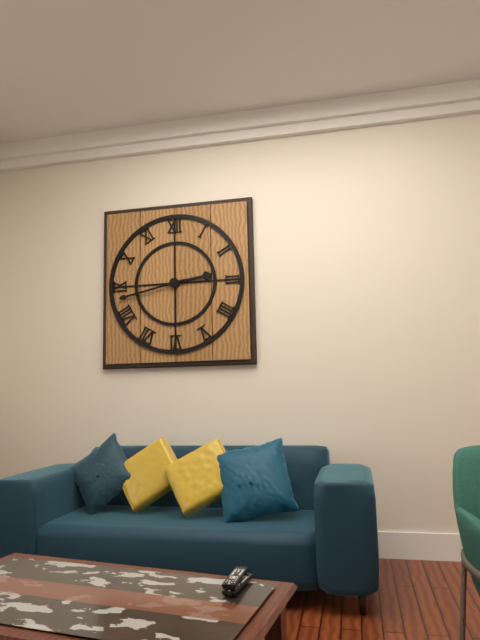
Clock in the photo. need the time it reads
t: 2:43
